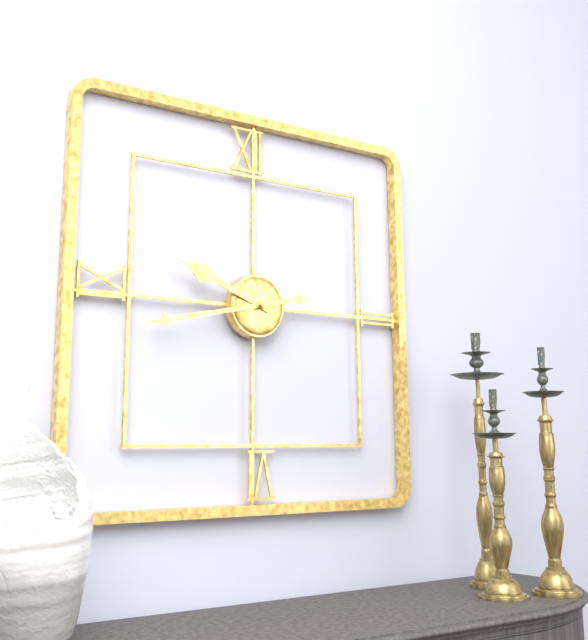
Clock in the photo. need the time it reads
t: 9:43
